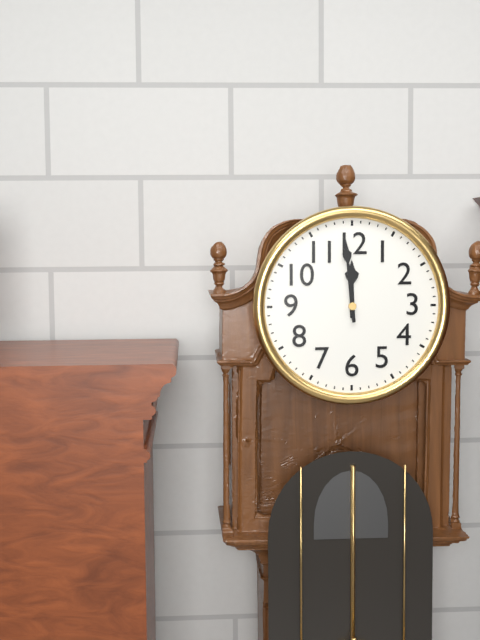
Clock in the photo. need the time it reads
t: 11:59
